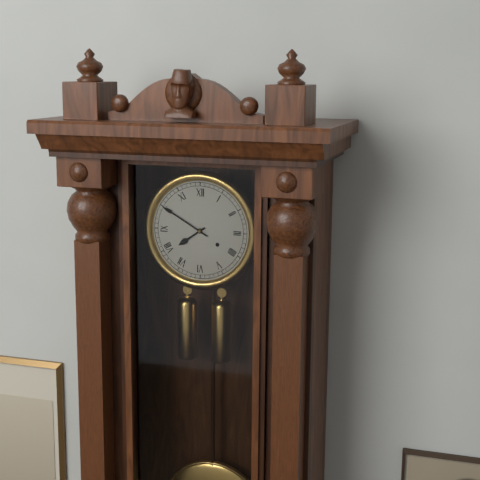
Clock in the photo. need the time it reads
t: 7:50
